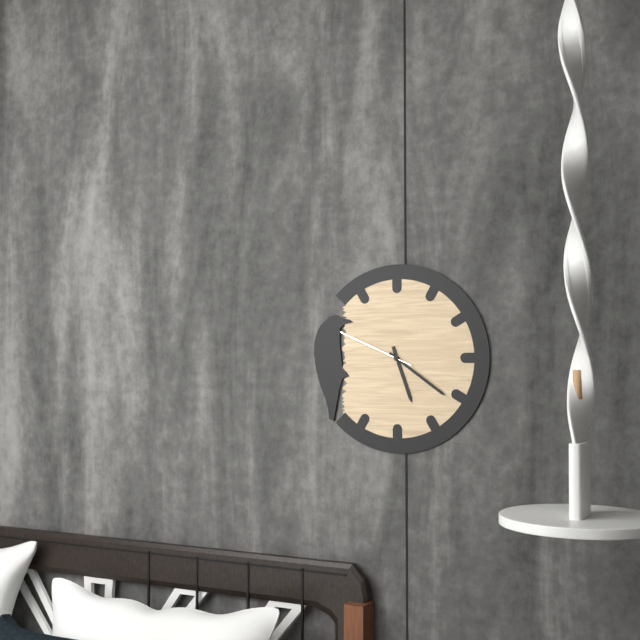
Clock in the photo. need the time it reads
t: 5:21:49
